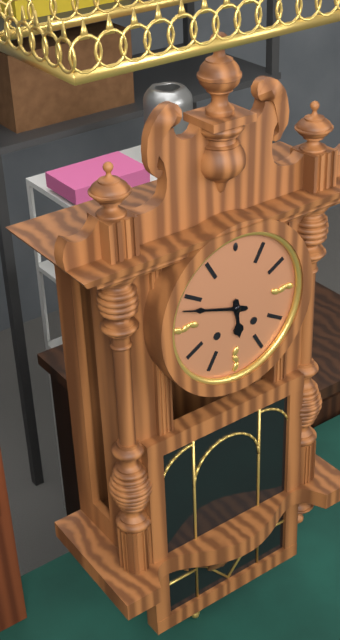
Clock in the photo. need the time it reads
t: 5:48
